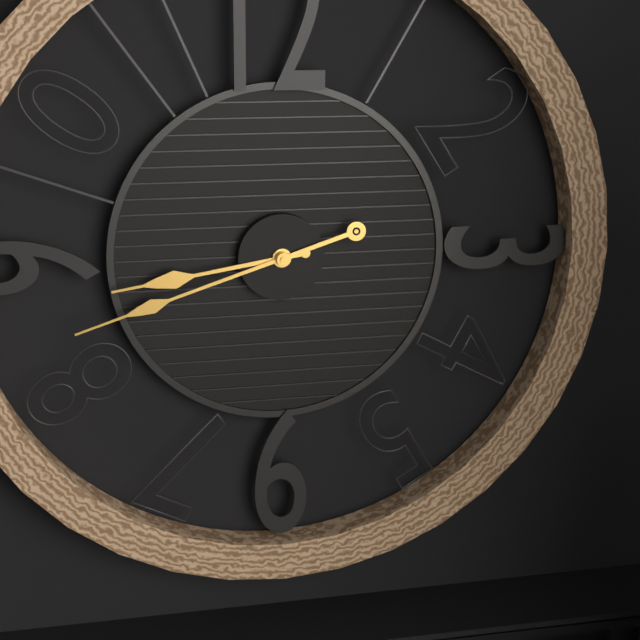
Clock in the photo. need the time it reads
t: 8:42
